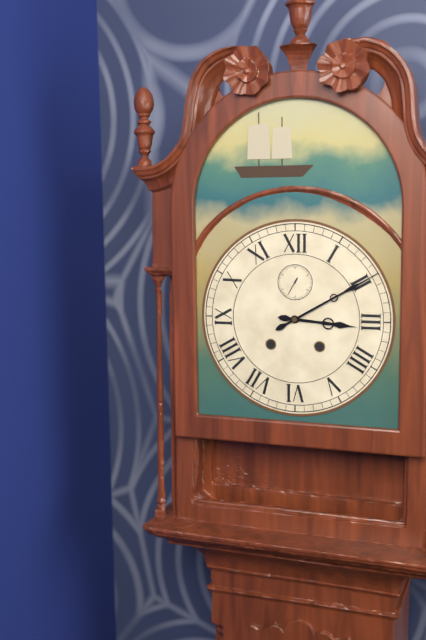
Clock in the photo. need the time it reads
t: 3:10
